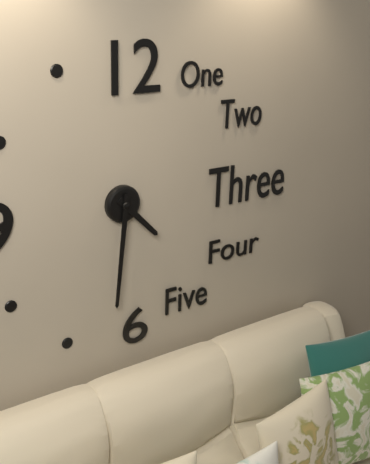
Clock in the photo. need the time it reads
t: 4:31
